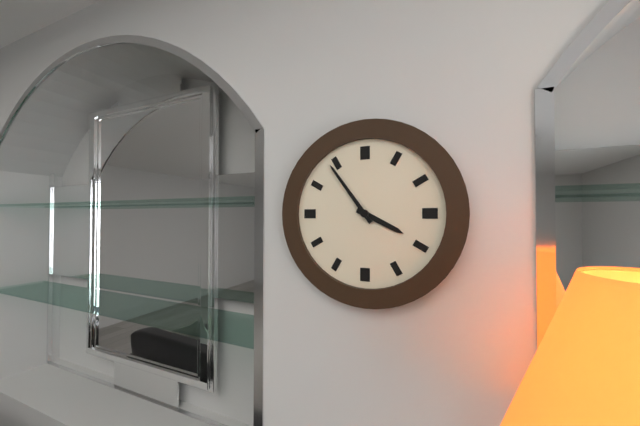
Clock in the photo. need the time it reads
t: 3:54
